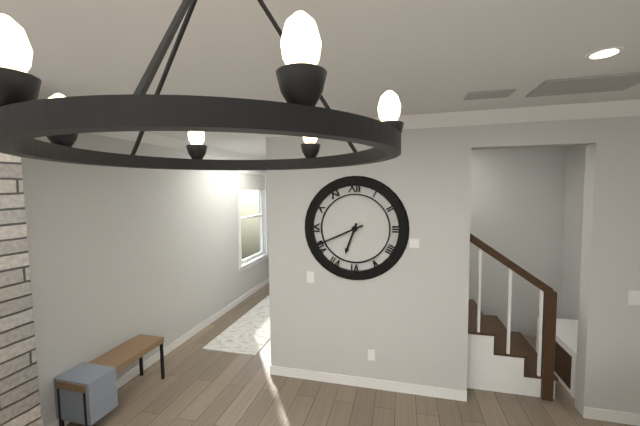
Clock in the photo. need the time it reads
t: 6:41
